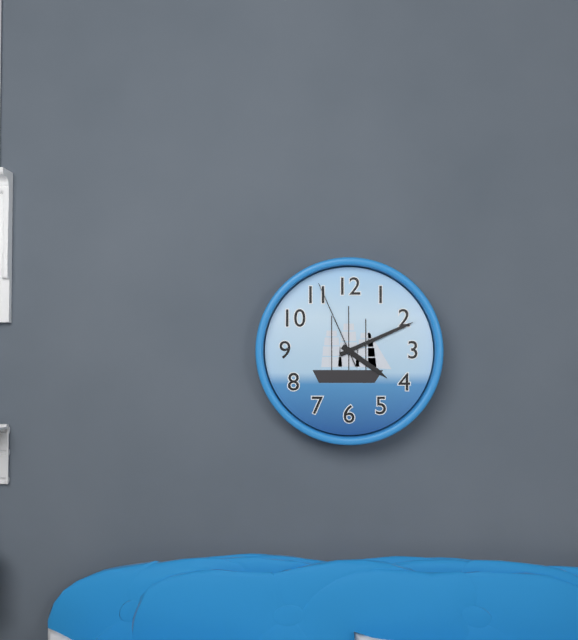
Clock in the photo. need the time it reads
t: 4:11:56
